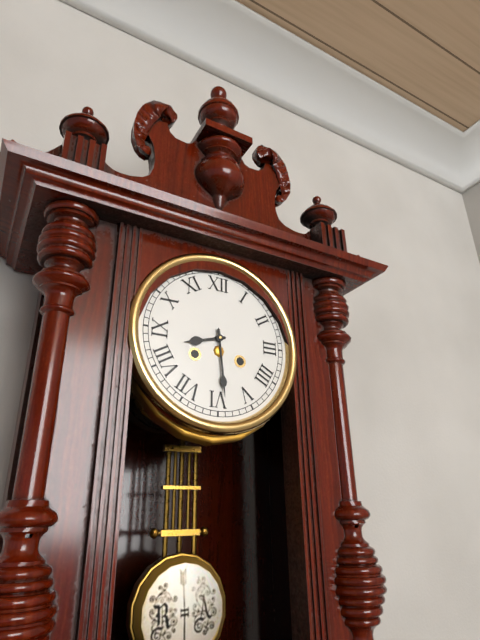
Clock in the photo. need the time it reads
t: 8:29
